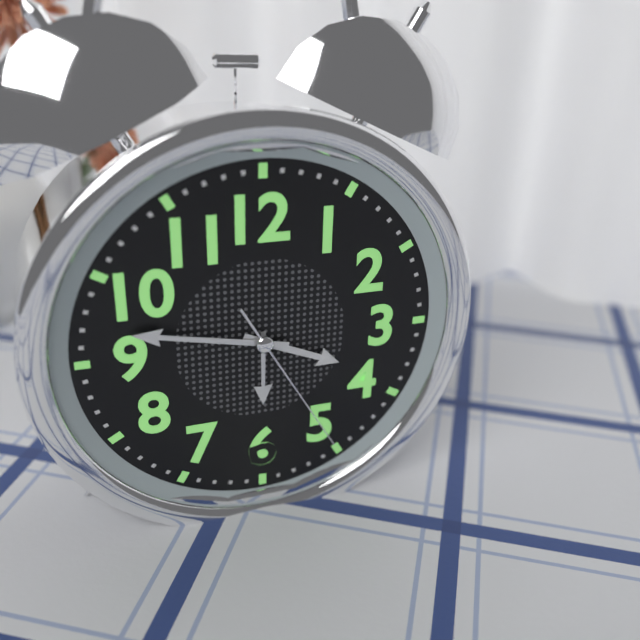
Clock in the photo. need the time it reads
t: 3:47:25
